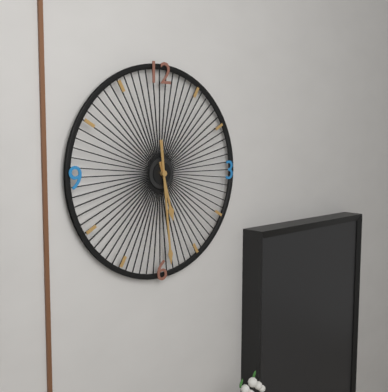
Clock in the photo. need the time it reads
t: 5:29
